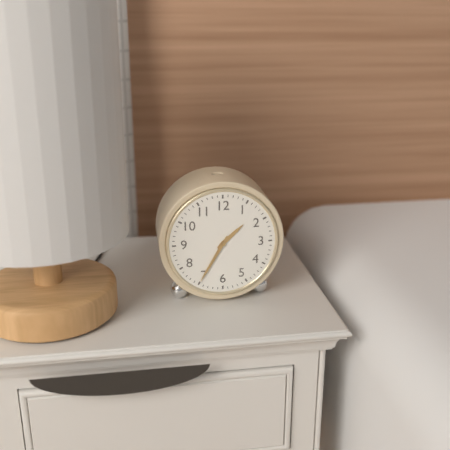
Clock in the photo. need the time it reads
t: 1:35
